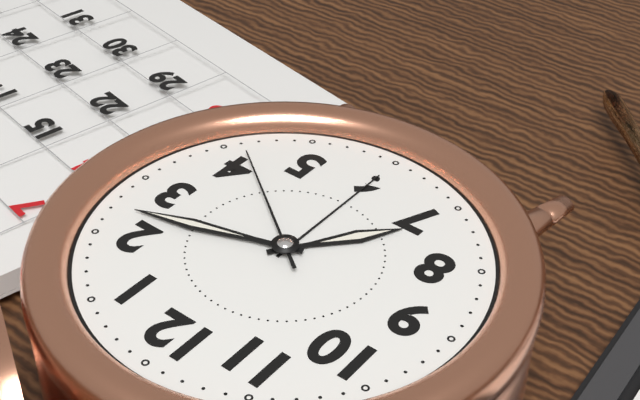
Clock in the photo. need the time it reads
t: 7:12:21
